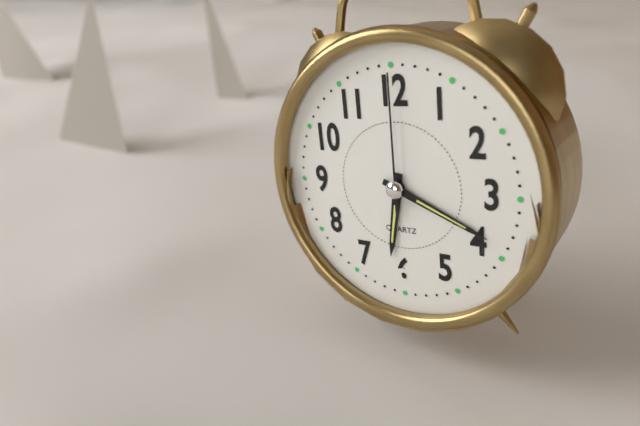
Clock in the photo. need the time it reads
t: 6:19:00
